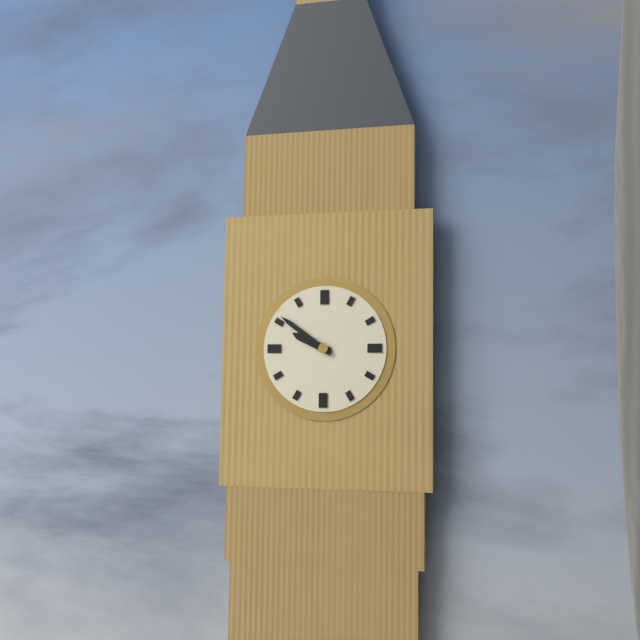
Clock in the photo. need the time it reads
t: 9:51
